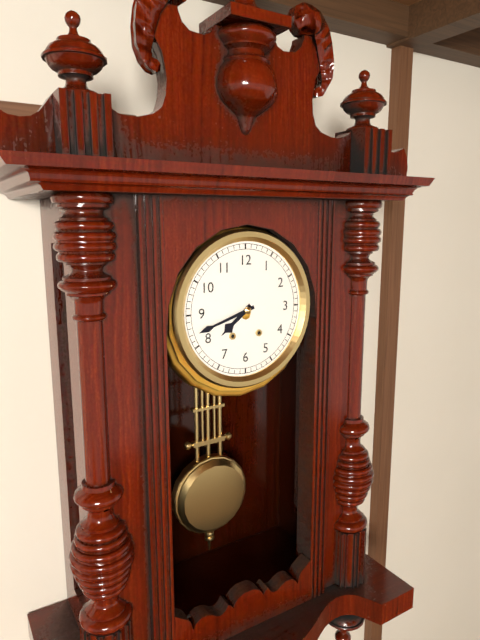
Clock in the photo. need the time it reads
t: 7:42
